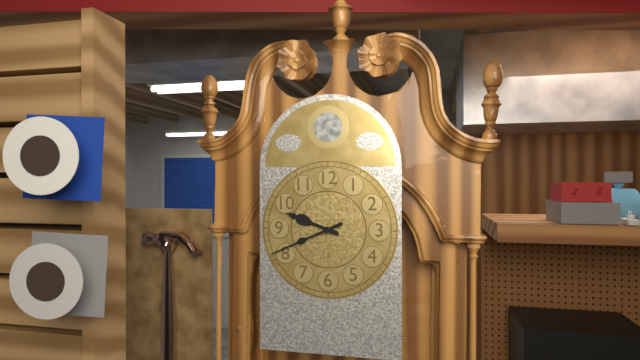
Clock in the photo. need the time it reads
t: 9:41
